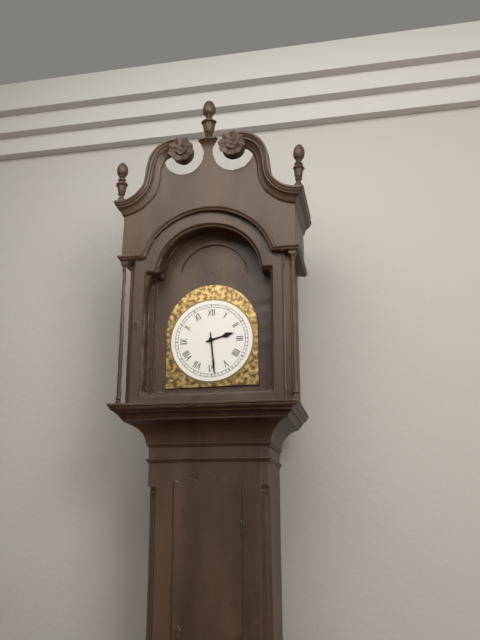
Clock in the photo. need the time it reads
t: 2:29
